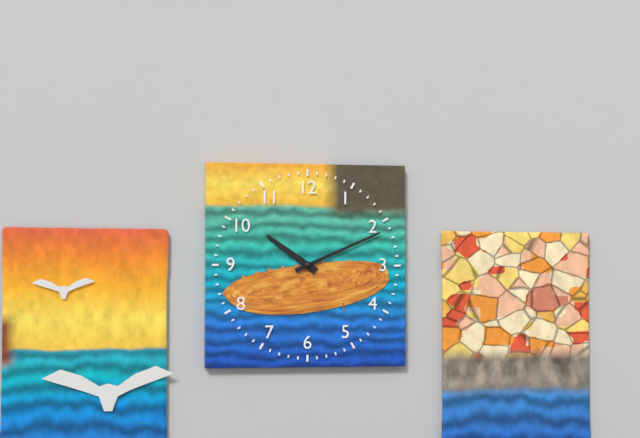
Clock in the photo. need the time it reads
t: 10:11
